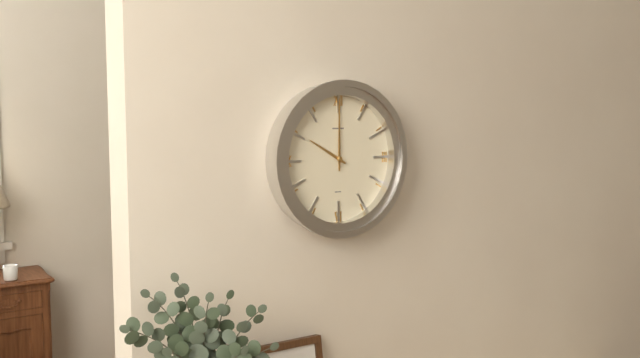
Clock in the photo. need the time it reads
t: 10:00
